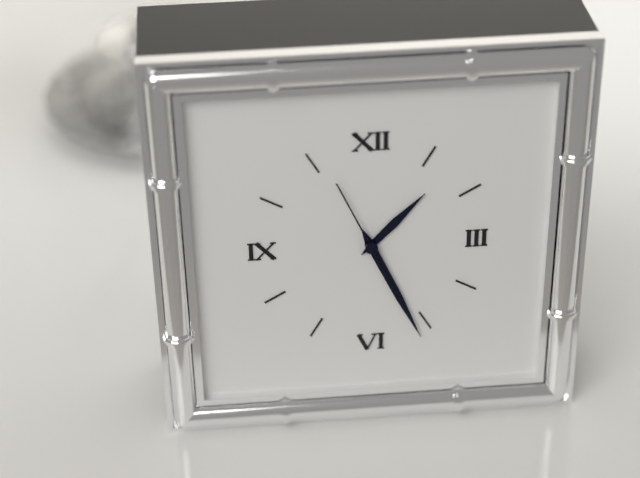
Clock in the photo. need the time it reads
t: 1:26:56
